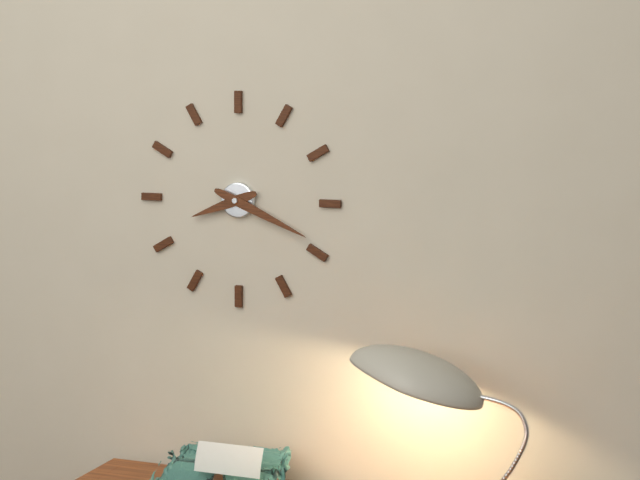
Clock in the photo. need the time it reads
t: 8:19
